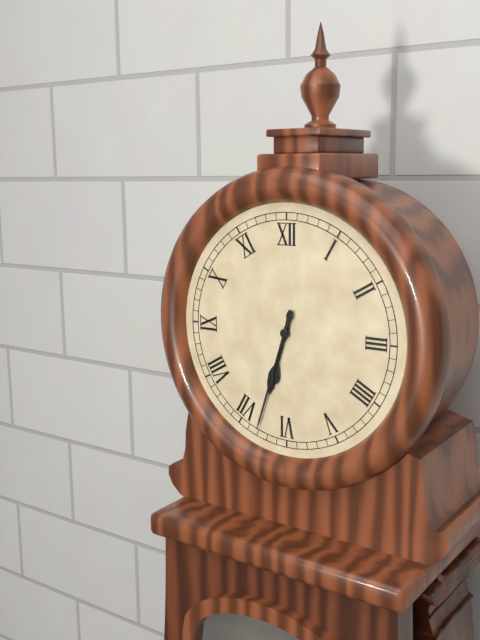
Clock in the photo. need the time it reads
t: 6:33
